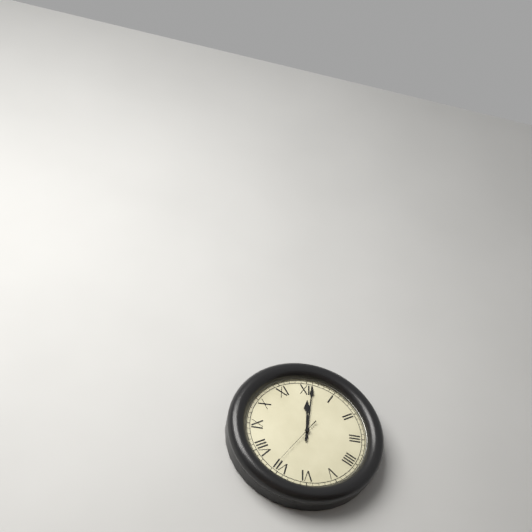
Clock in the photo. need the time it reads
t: 12:01:36
